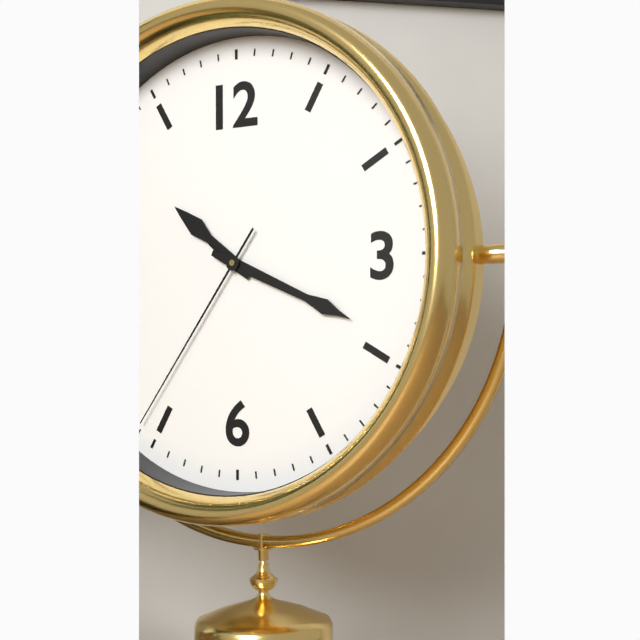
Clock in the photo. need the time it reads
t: 10:19:36
